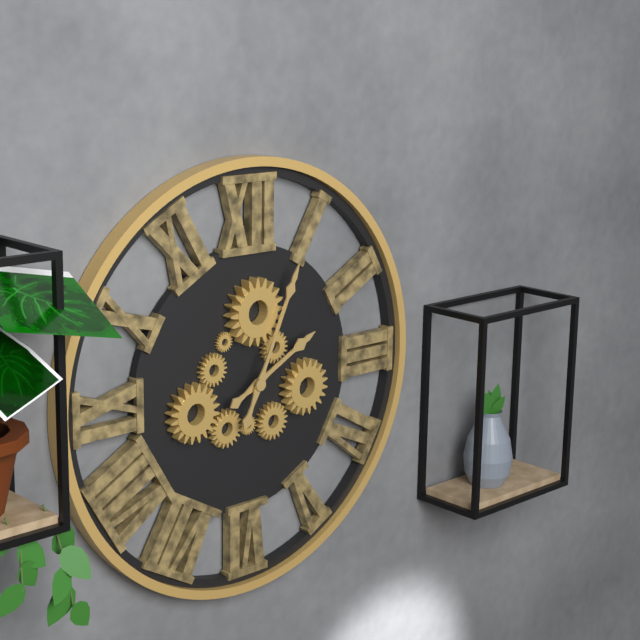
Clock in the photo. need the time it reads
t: 2:04
